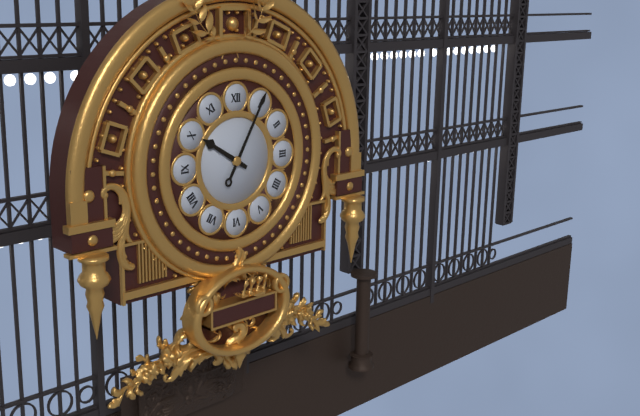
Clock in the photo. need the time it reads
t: 10:05
